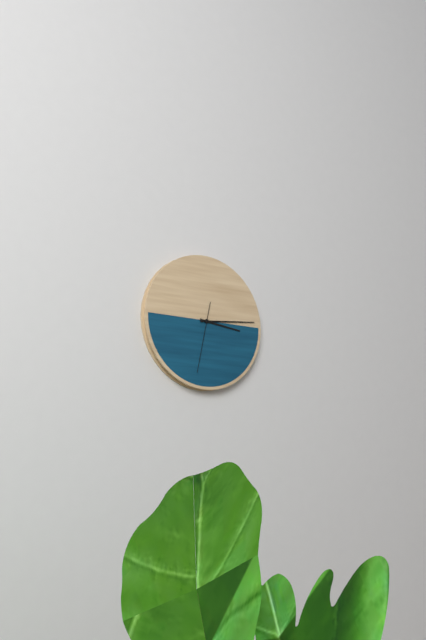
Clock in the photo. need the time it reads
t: 3:14:32
